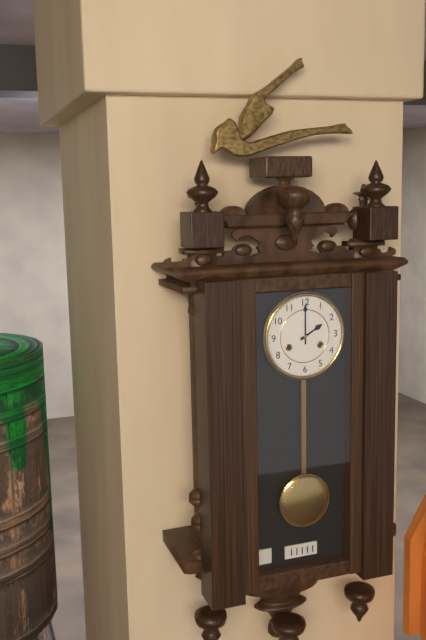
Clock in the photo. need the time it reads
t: 2:00
